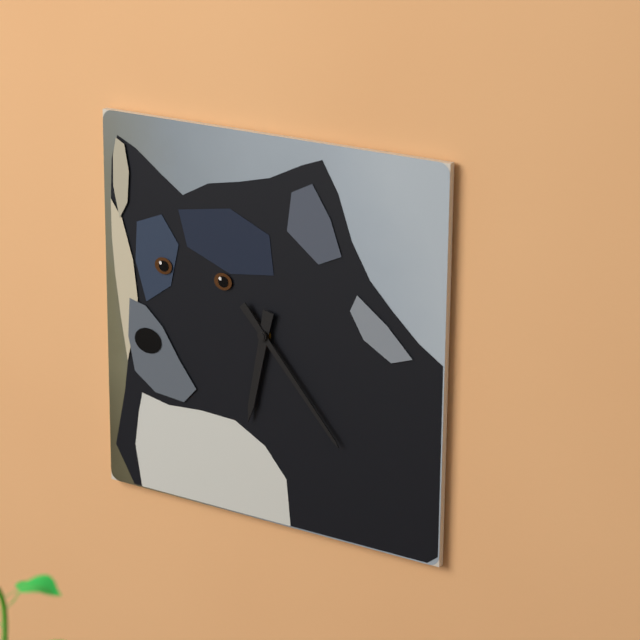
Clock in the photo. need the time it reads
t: 6:23
